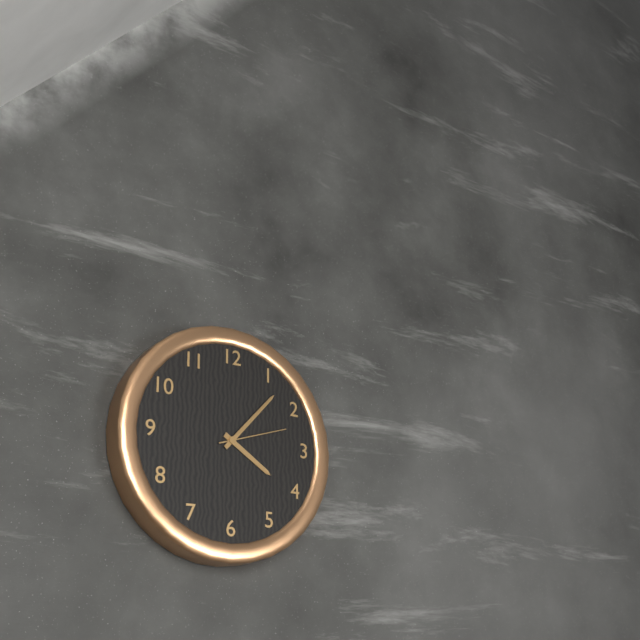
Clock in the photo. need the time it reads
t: 4:07:12
